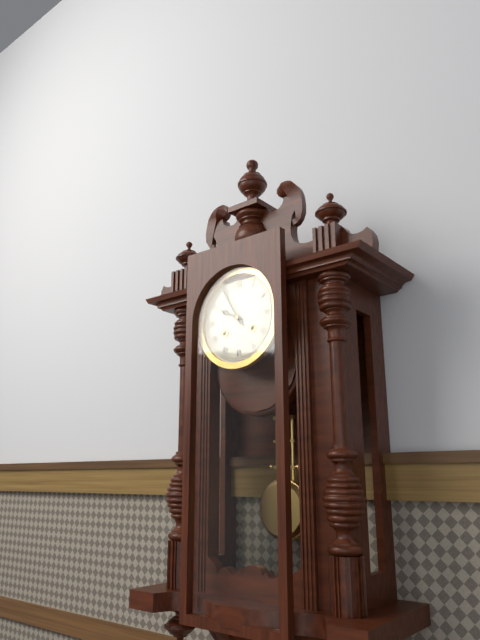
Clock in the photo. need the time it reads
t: 9:55
